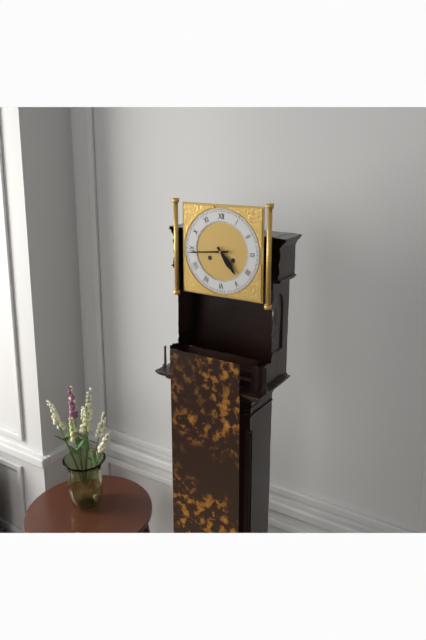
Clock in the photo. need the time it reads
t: 4:44
